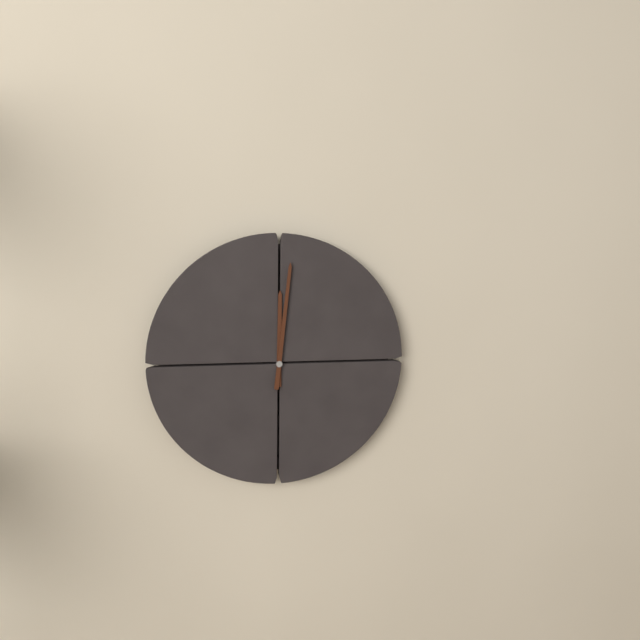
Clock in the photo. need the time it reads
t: 12:01
